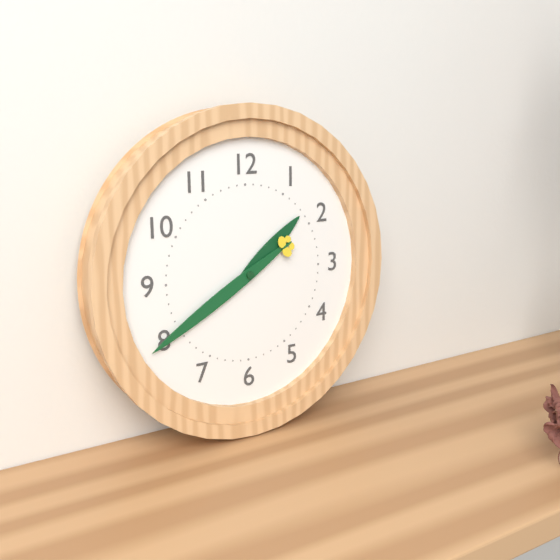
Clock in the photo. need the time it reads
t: 1:40
